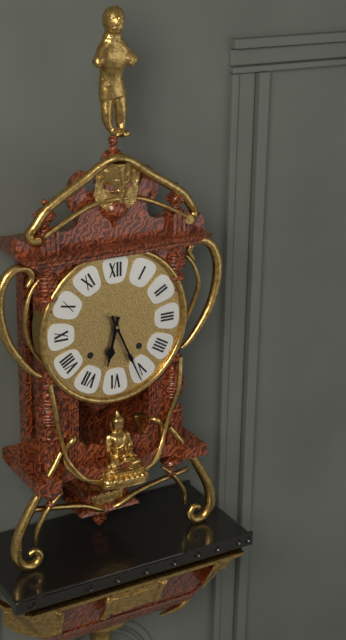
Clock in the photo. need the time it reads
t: 6:26
